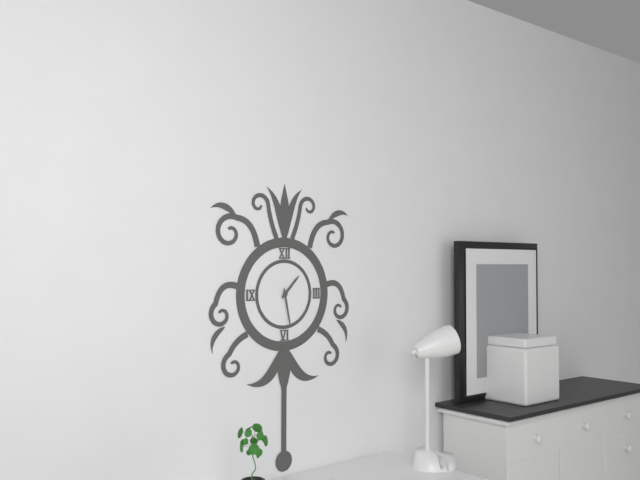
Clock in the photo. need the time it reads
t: 1:28
